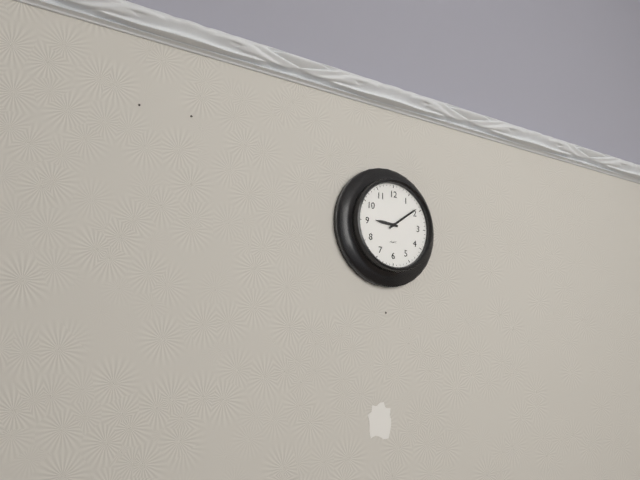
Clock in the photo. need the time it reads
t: 9:09
